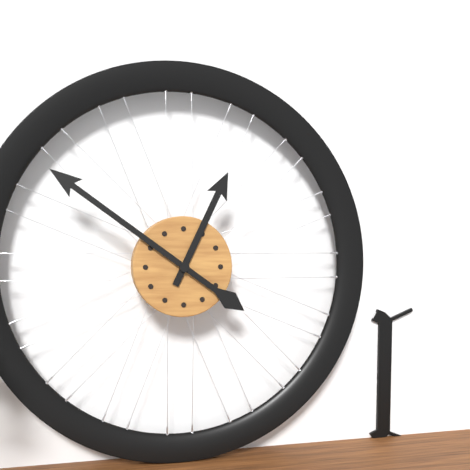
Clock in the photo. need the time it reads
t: 12:51
